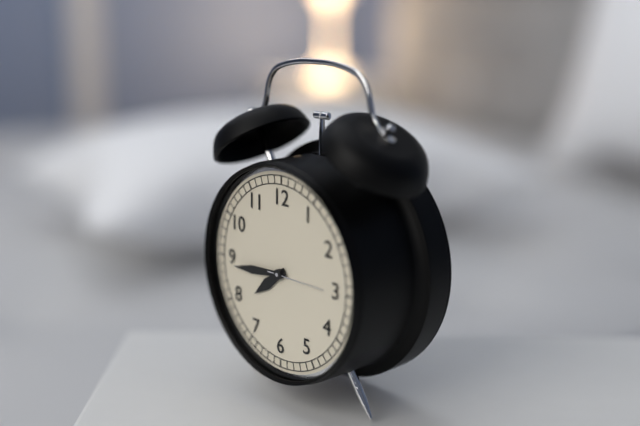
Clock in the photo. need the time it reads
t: 7:44:15
